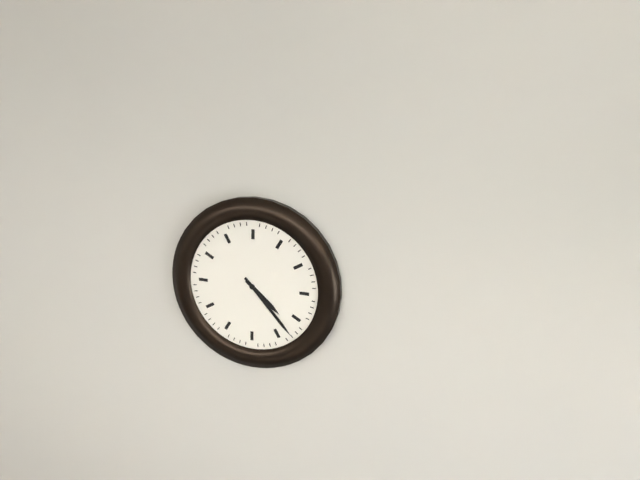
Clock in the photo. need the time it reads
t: 4:23
